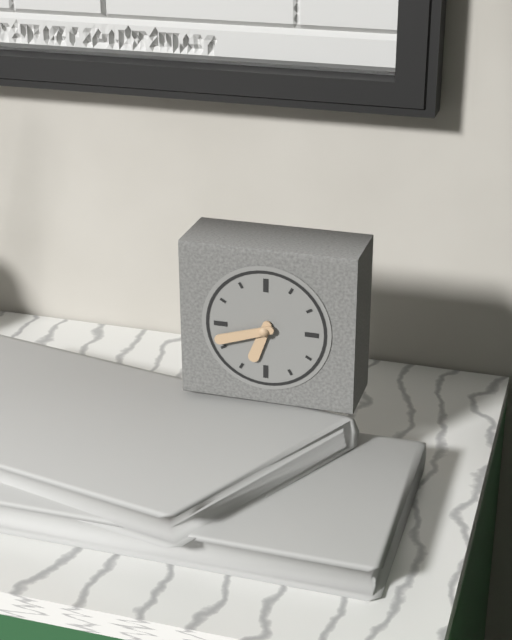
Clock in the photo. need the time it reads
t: 6:42
